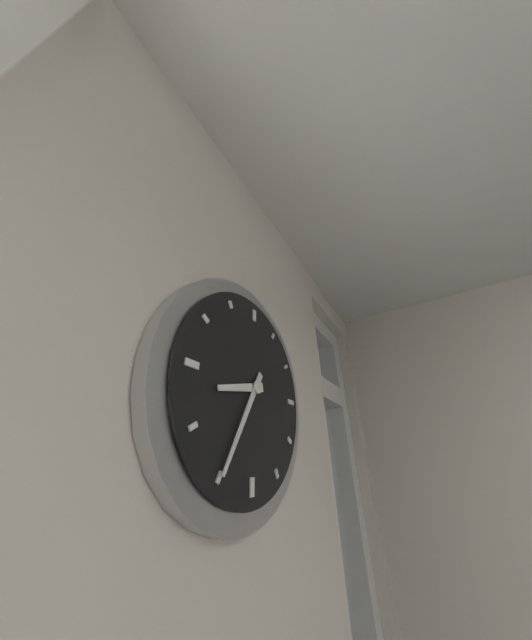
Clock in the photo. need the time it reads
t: 8:35
